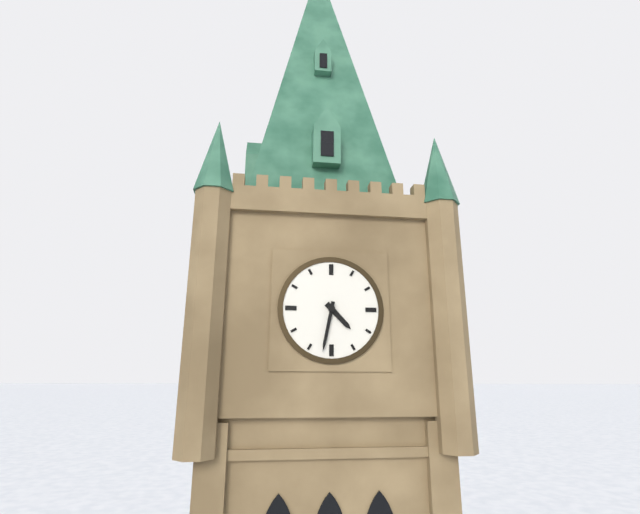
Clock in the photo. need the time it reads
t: 4:32
